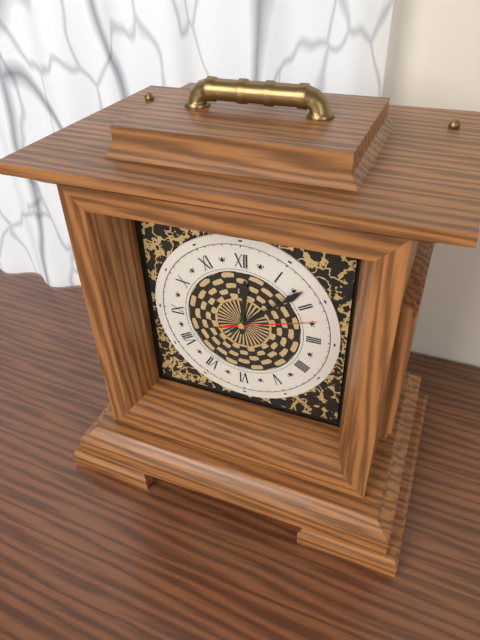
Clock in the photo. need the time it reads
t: 12:08:12
